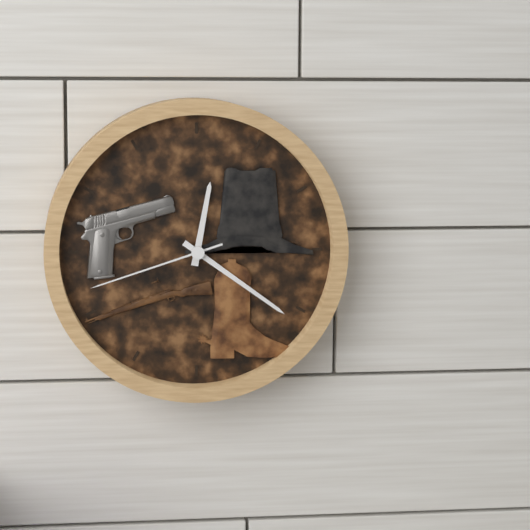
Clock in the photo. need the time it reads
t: 12:21:42
